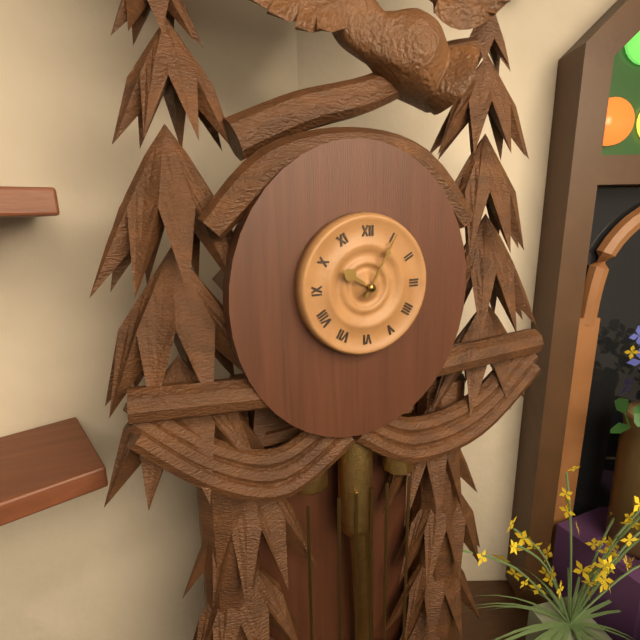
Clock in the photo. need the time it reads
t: 10:05
